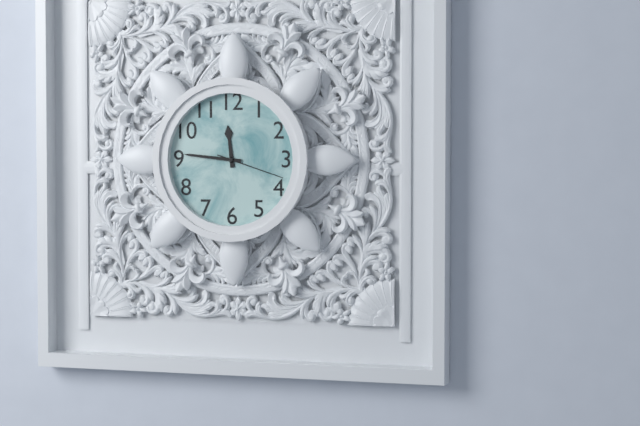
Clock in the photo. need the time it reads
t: 11:46:18
